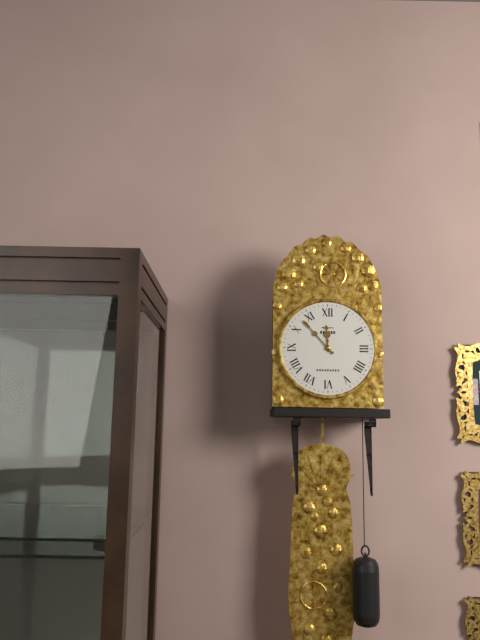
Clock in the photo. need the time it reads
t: 11:53
